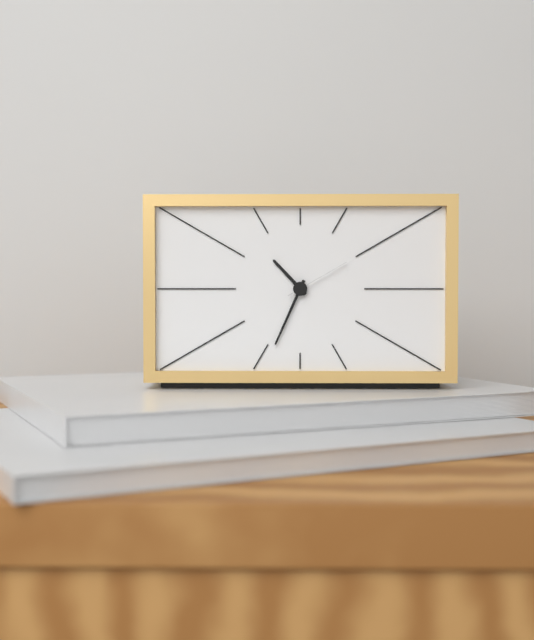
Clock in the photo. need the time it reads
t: 10:34:10
